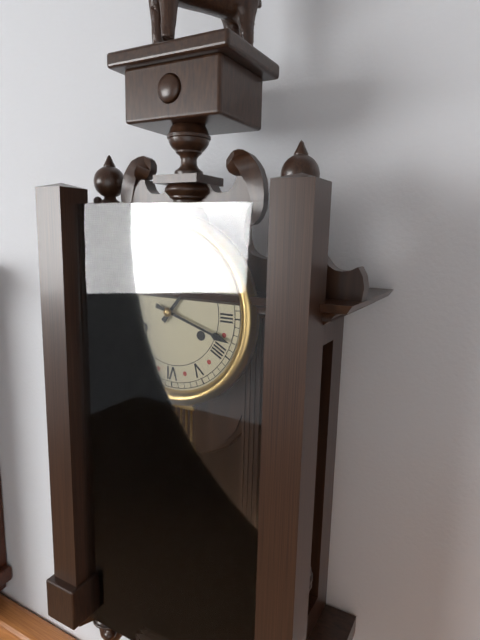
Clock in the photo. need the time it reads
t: 1:18
